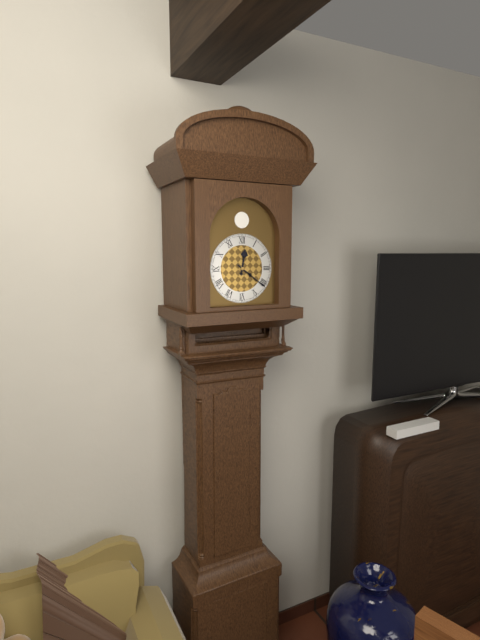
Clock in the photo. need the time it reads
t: 12:21
